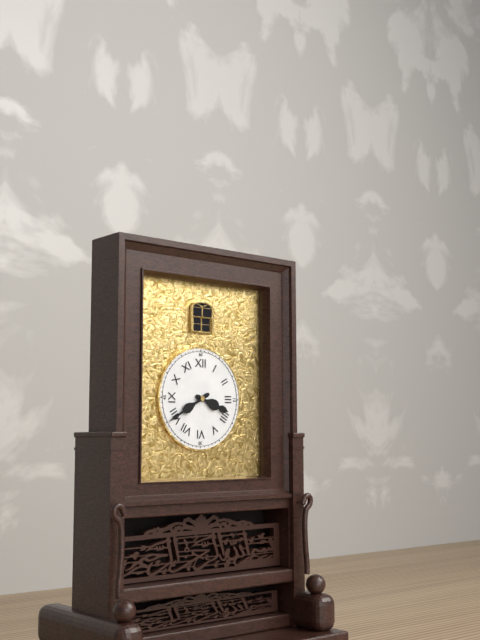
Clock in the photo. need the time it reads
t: 3:40
